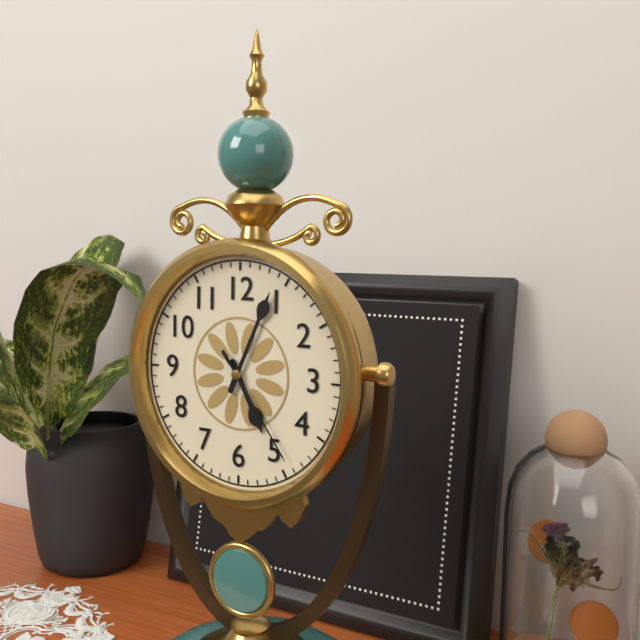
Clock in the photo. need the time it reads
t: 5:04:24
